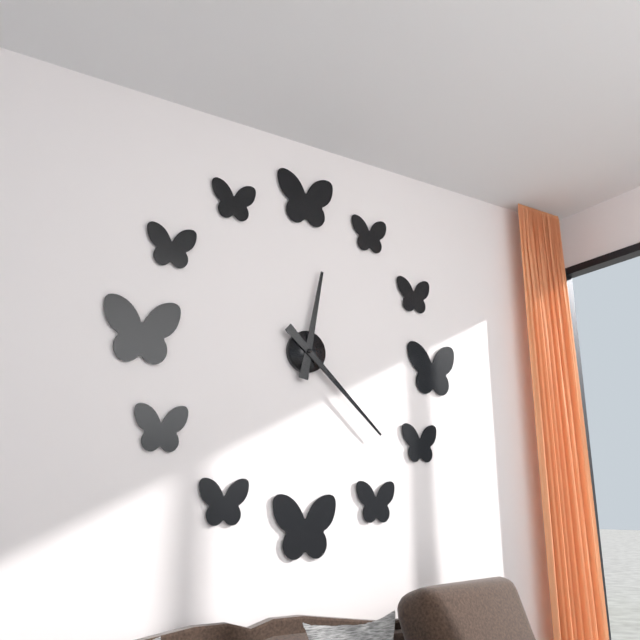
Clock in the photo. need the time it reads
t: 12:22
